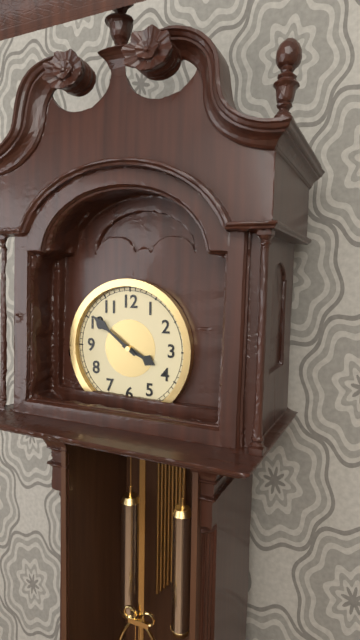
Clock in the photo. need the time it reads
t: 3:51
